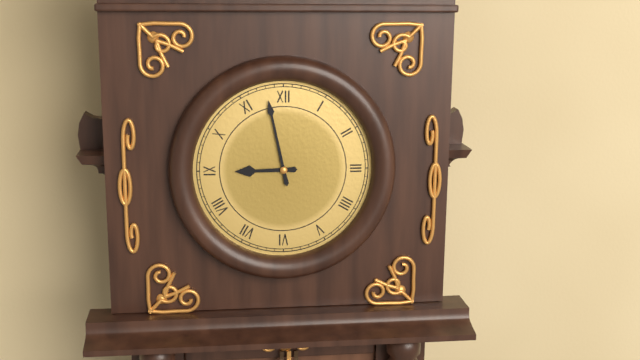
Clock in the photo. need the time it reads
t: 8:58
